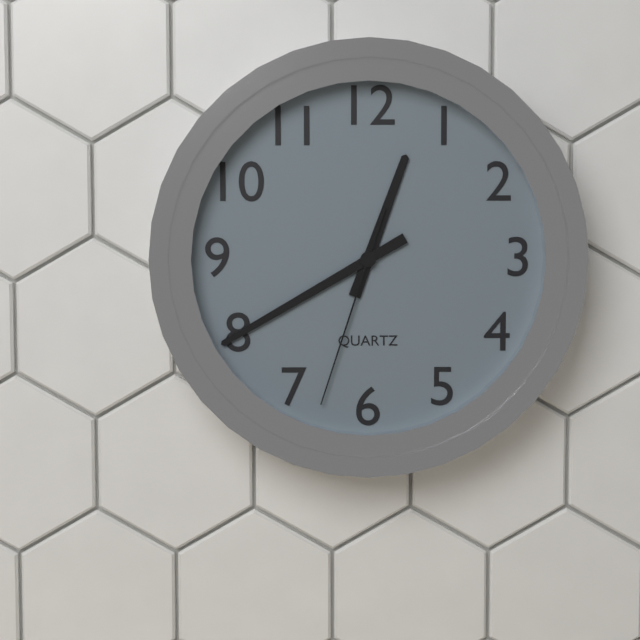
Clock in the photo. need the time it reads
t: 12:40:33
